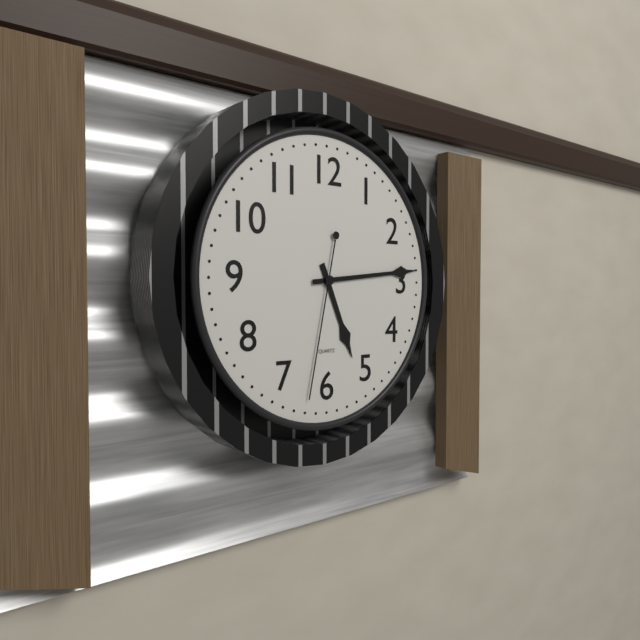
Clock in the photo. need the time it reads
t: 5:14:32
